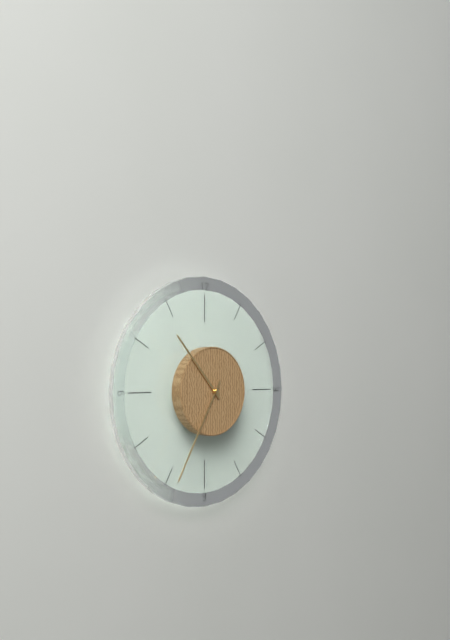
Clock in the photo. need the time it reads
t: 10:35
